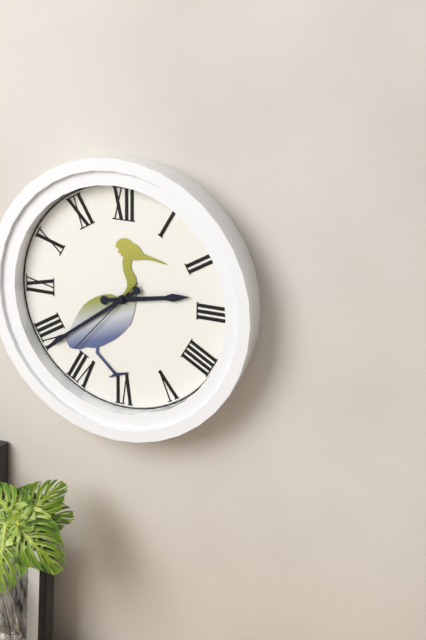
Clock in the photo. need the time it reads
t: 2:39:37
